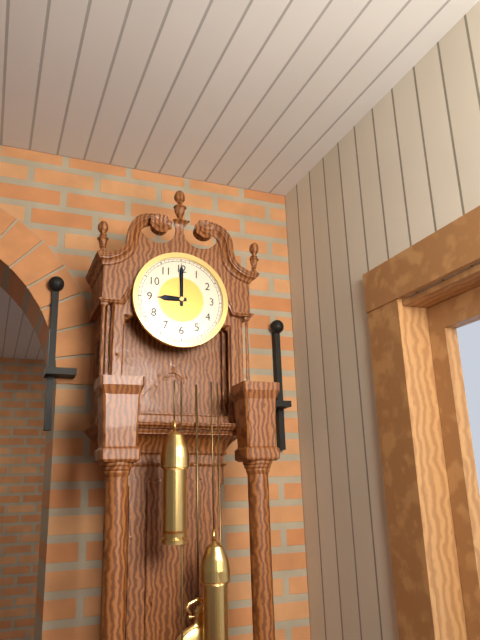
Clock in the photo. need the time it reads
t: 9:00
